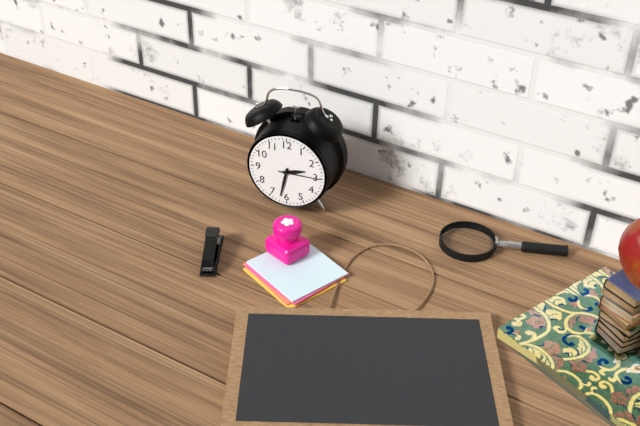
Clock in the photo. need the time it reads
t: 2:32
